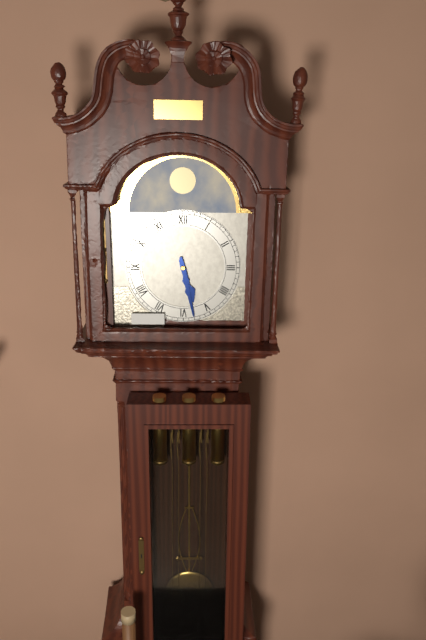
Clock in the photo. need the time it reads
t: 5:28
